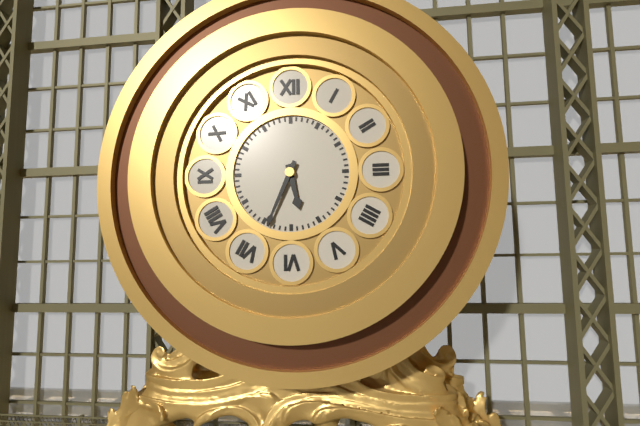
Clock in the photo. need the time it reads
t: 5:34
